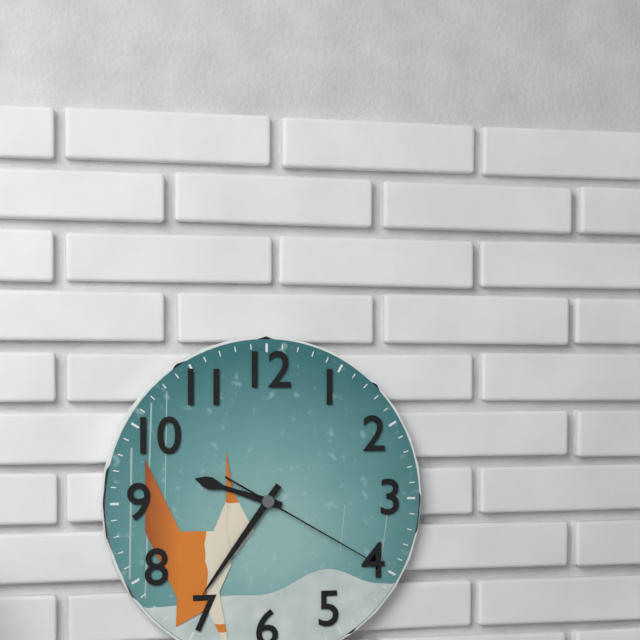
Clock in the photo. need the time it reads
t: 9:36:20
